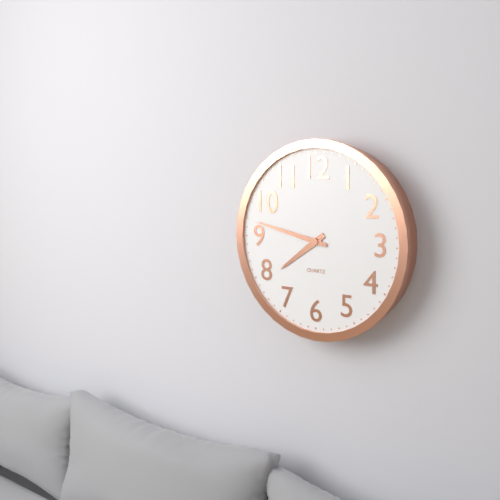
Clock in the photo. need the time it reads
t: 7:47
